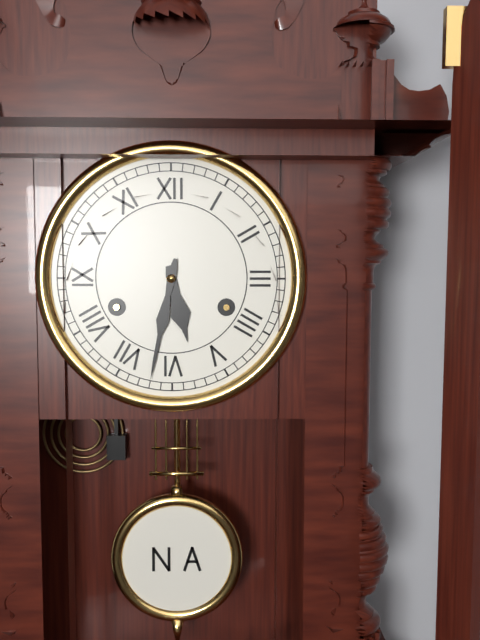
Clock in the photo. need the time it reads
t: 5:32
